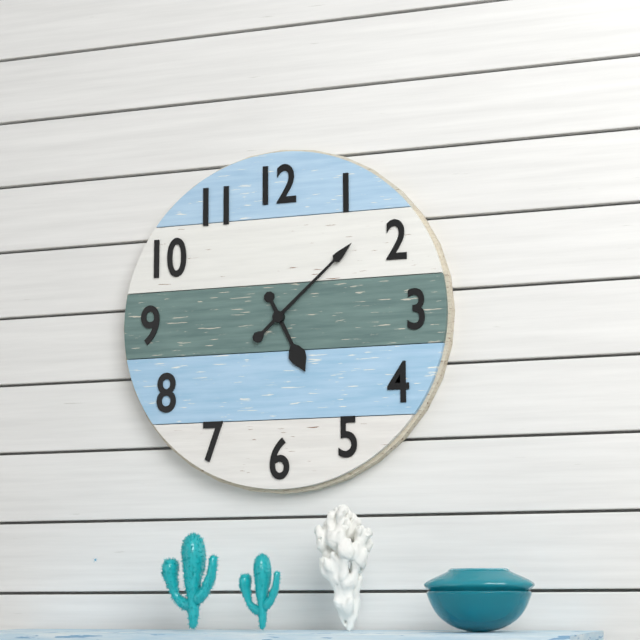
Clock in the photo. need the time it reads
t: 5:08
